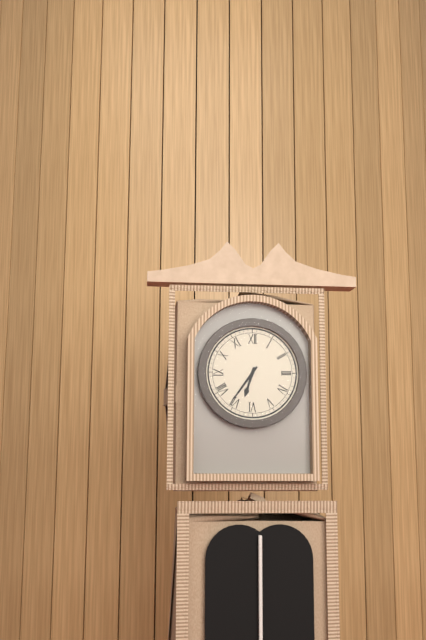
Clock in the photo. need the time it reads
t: 6:36
